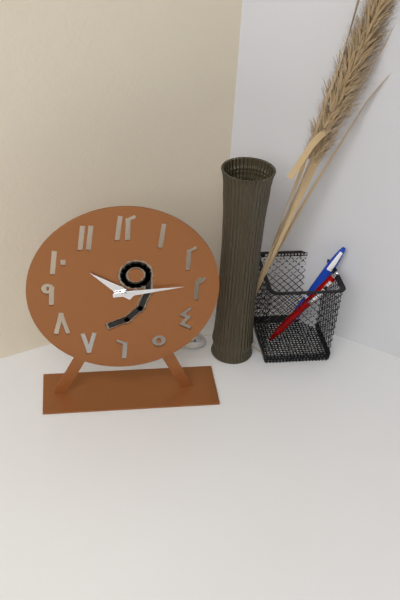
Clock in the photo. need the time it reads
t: 10:14
